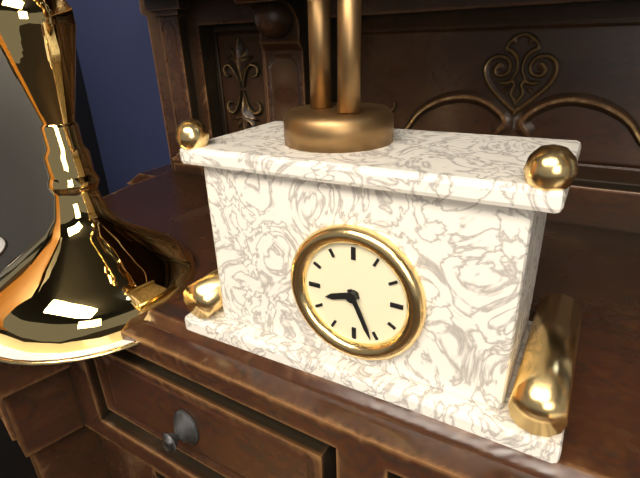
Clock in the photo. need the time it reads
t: 8:26
